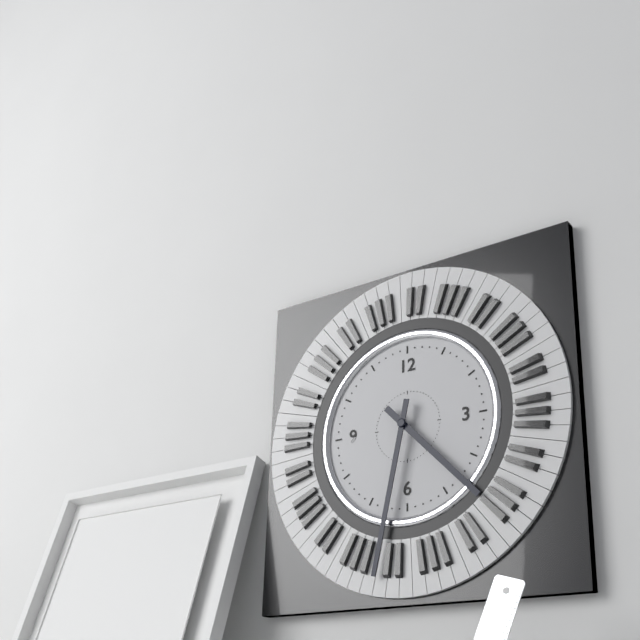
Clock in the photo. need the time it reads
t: 4:32
